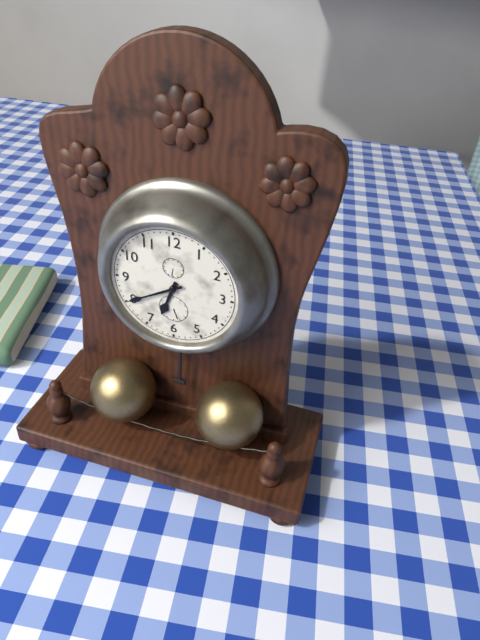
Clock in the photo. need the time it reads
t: 6:40
